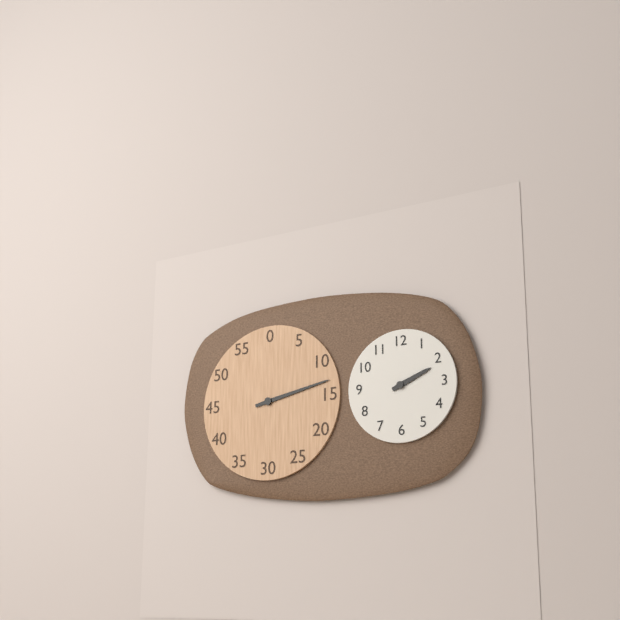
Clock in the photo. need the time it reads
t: 2:13
